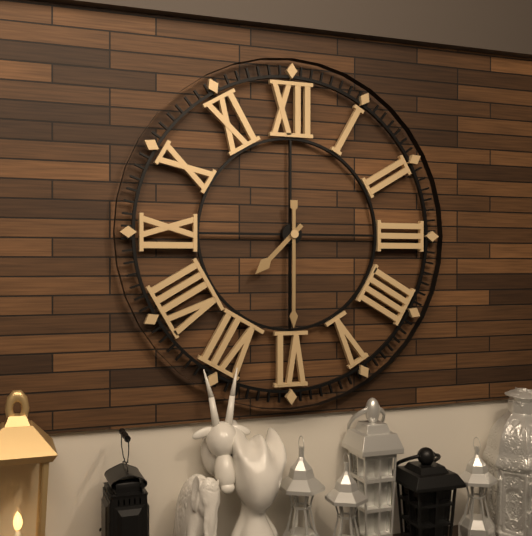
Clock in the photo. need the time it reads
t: 7:30
